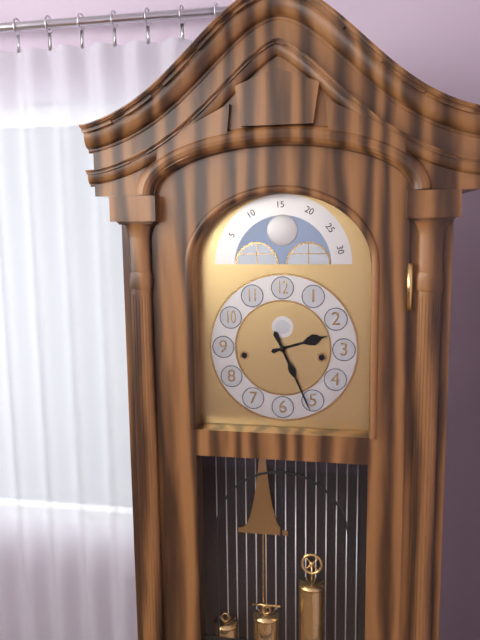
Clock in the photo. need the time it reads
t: 2:26
